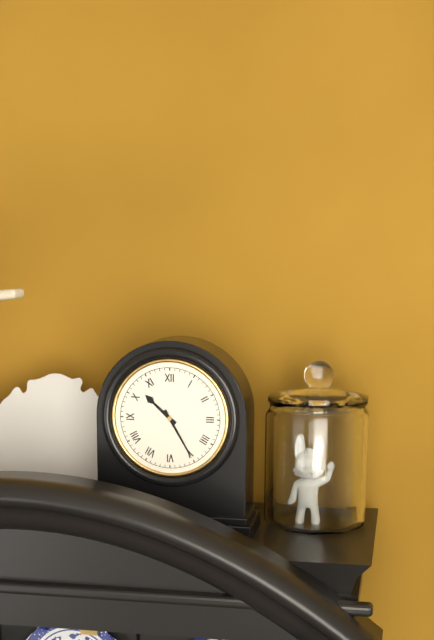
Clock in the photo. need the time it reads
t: 10:25
